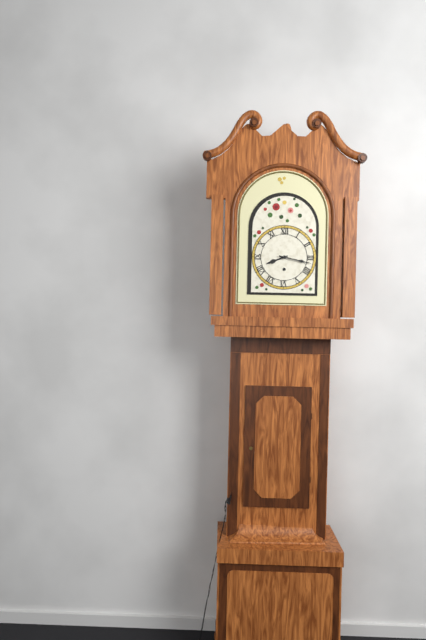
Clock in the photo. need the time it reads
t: 8:17
